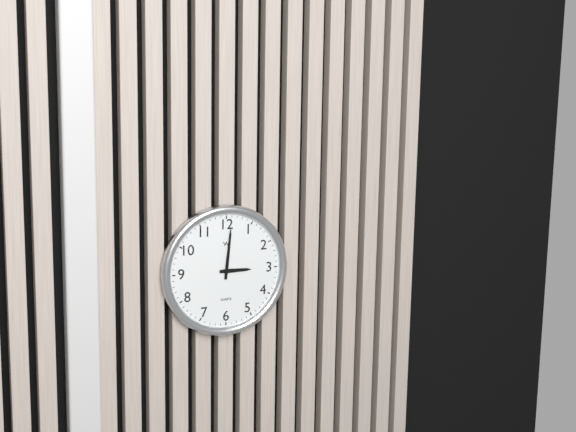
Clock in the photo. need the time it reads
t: 3:01
